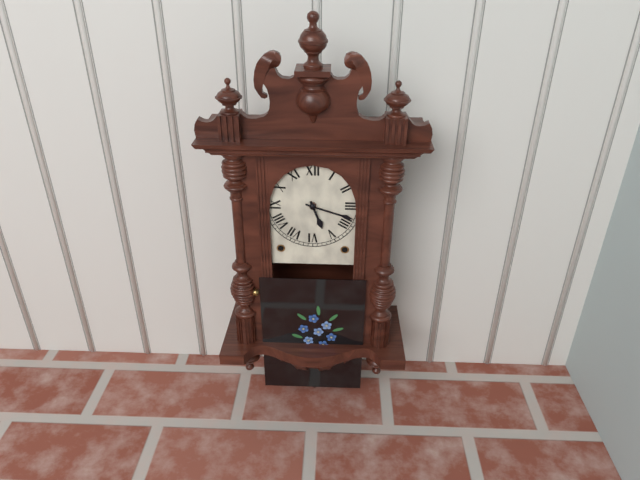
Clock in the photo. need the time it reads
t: 5:18
